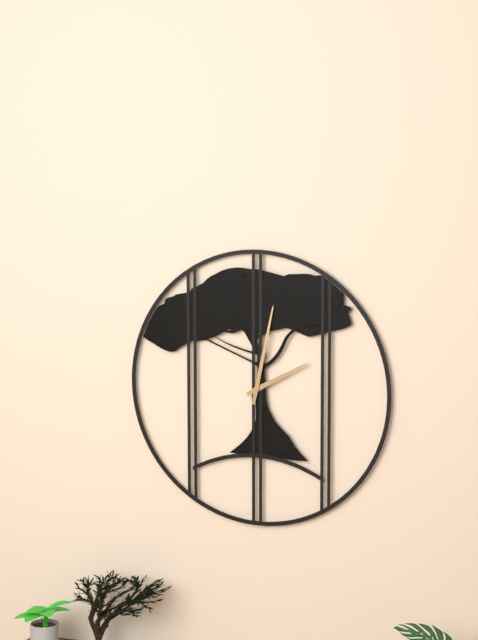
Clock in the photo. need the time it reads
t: 2:02
